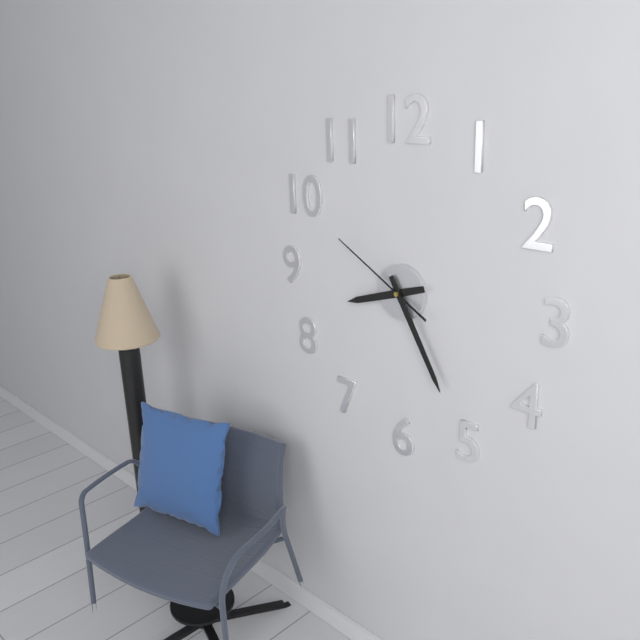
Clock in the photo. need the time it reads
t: 8:25:50
